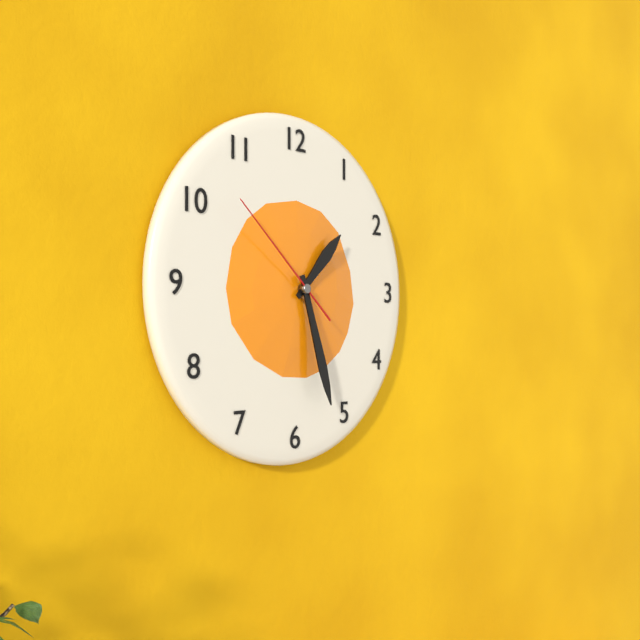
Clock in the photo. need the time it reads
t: 1:27:52
